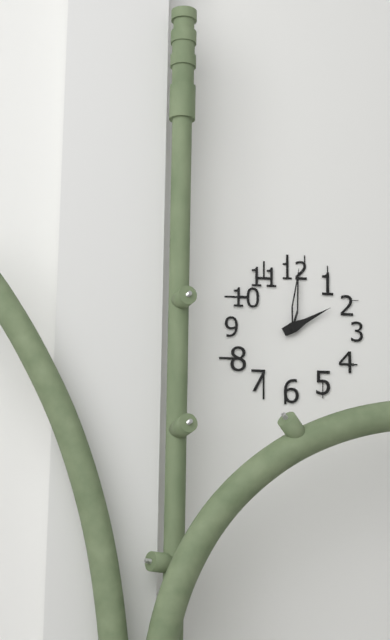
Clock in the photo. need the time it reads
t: 2:01
